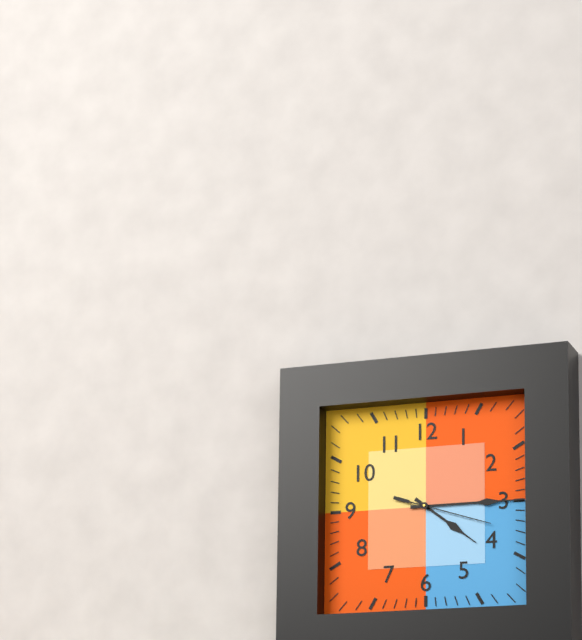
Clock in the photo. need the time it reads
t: 4:15:18
